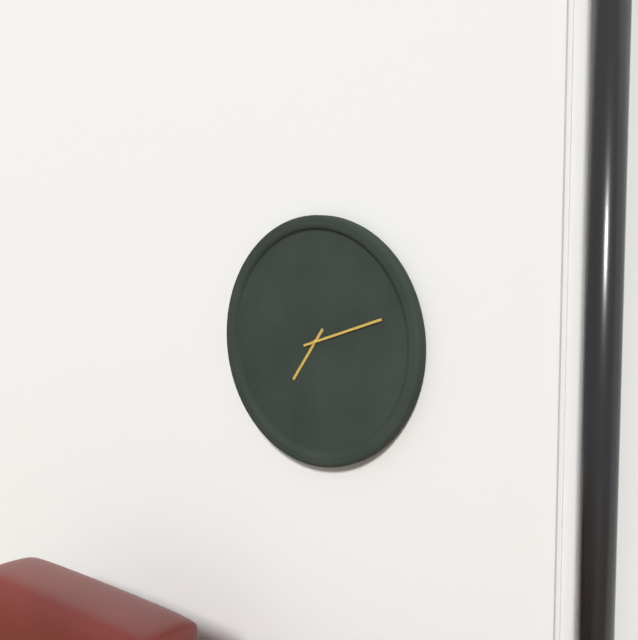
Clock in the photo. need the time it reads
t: 7:12
